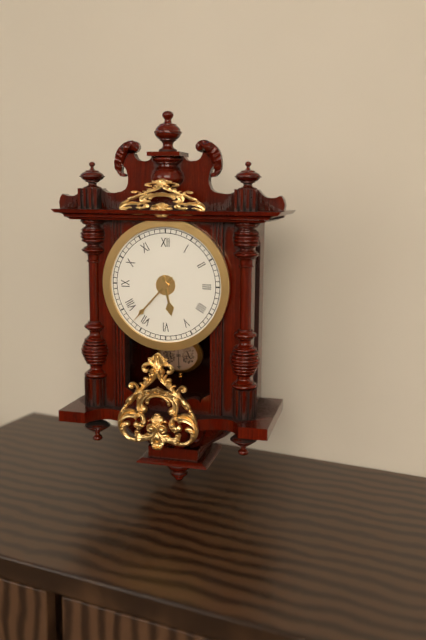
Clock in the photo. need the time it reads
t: 5:37
